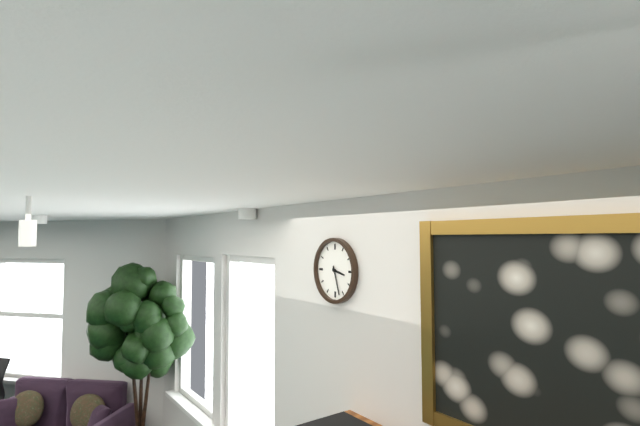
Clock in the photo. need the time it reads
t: 3:27
